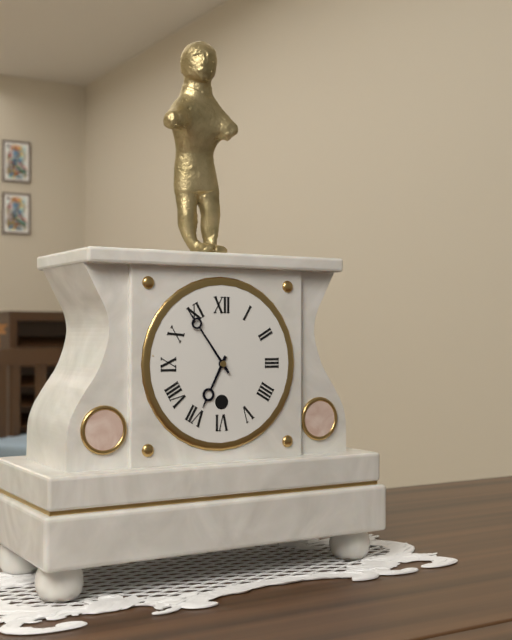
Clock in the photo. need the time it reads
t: 6:54
